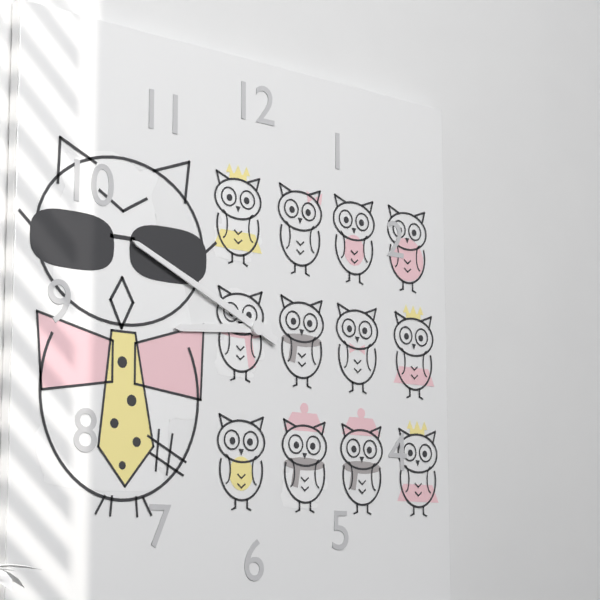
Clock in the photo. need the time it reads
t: 8:49
